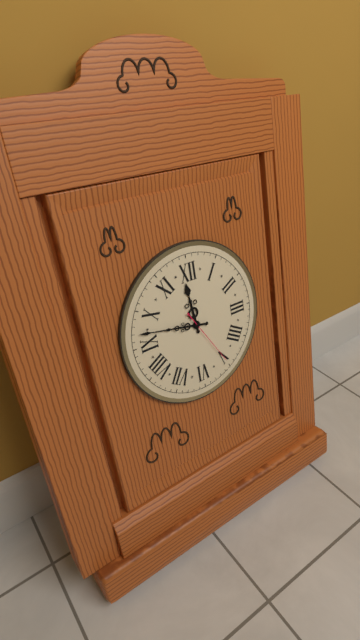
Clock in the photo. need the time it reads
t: 11:47:25
